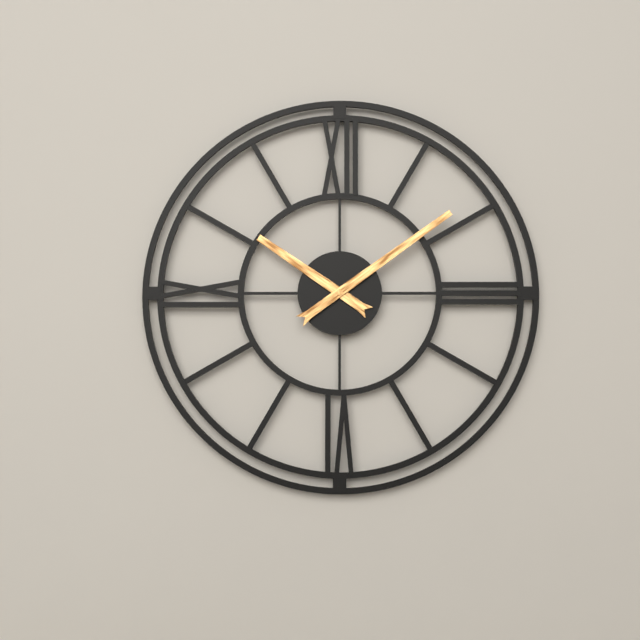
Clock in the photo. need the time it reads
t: 10:09
